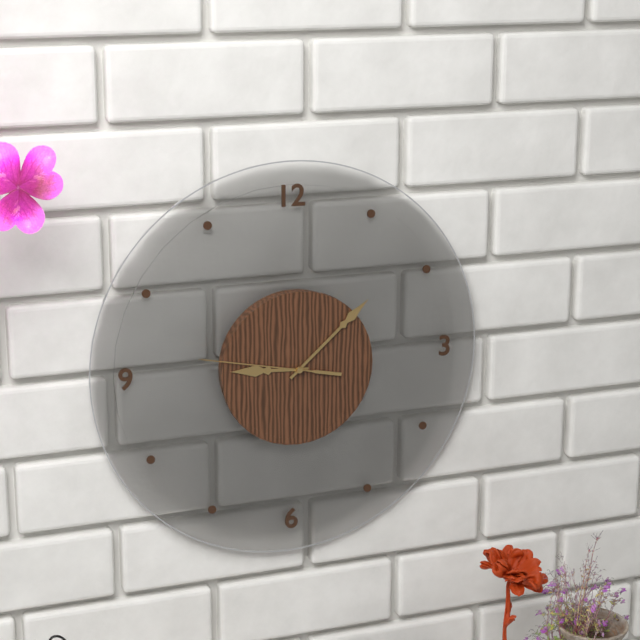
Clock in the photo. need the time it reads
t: 9:08:47
